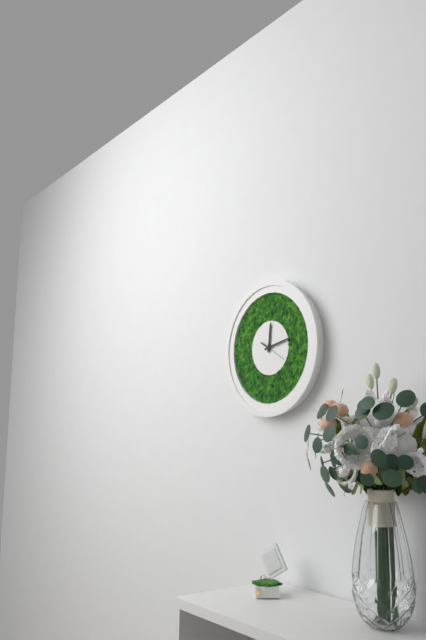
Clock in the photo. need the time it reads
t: 12:13
